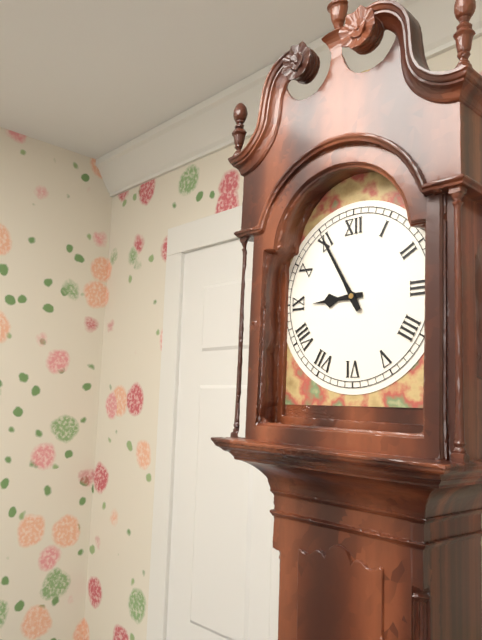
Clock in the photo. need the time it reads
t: 8:55
